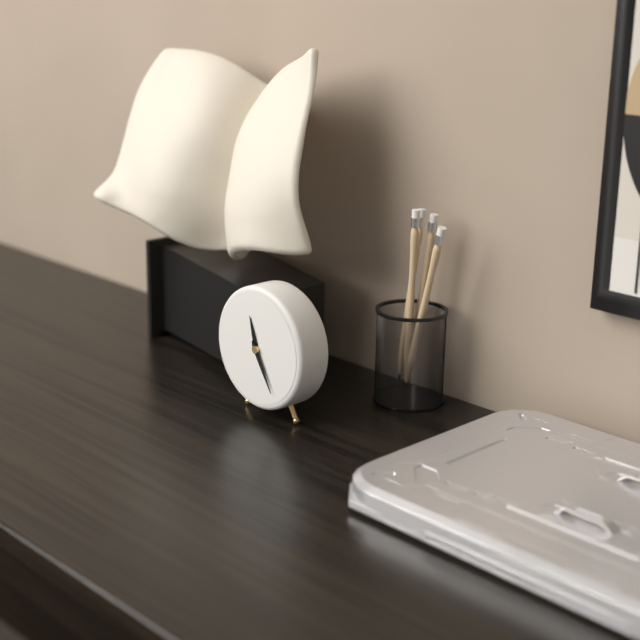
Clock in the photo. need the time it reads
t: 11:25
